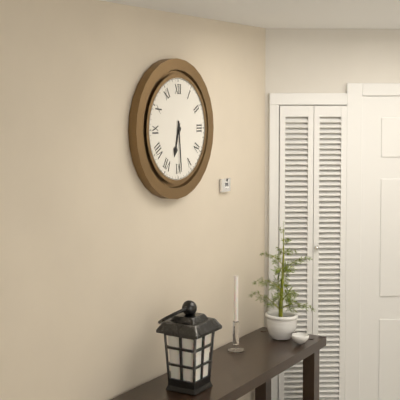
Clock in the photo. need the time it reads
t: 6:29
